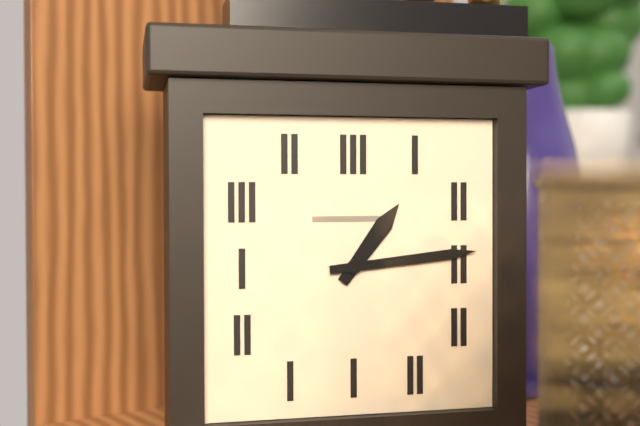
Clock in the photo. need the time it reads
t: 1:14
